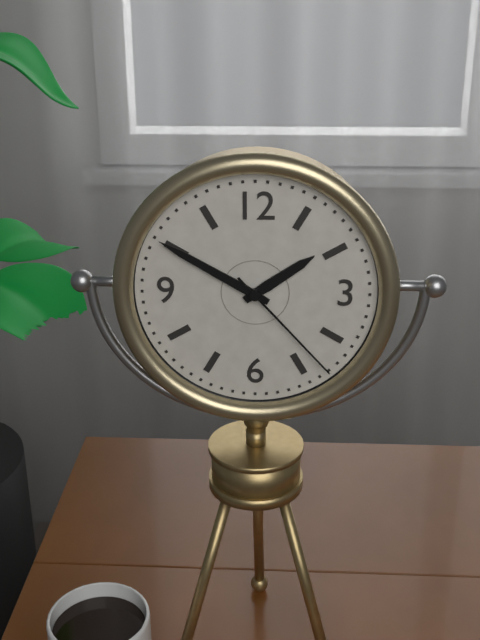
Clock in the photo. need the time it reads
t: 1:50:23
